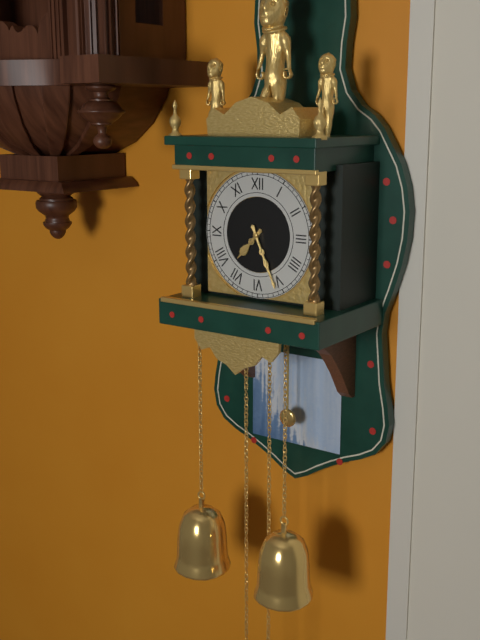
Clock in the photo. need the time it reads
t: 7:26
